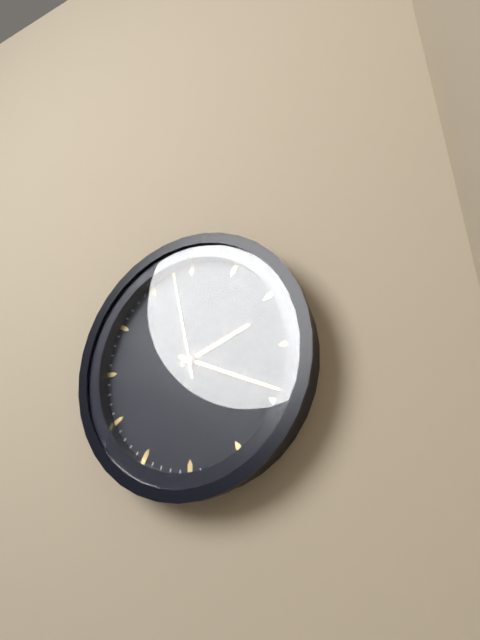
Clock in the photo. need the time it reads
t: 2:19:58
